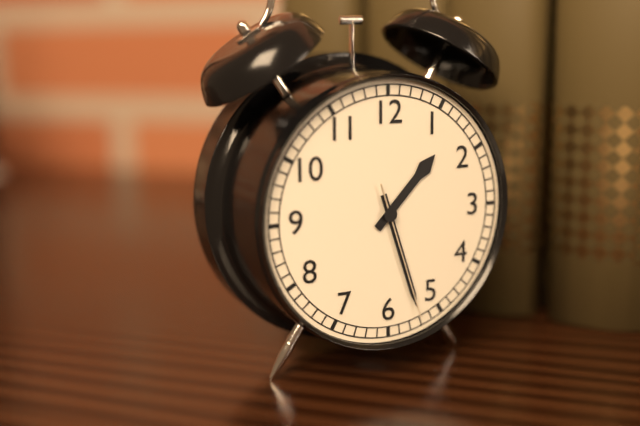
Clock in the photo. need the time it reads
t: 1:27:27
